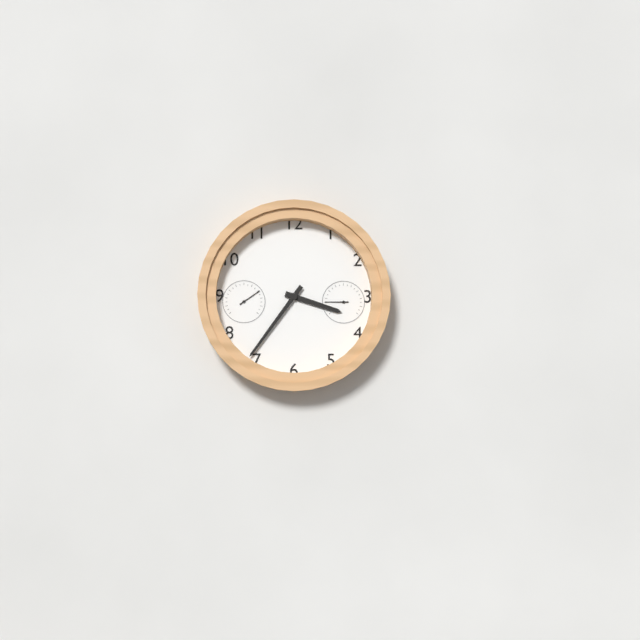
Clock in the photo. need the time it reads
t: 3:36
